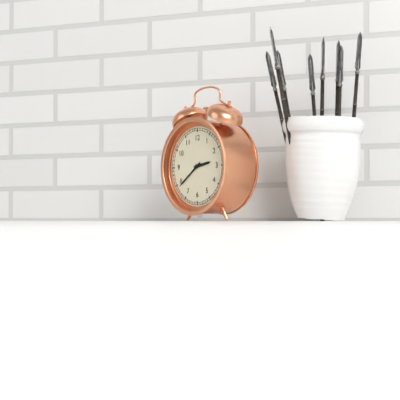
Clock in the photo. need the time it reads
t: 2:39
